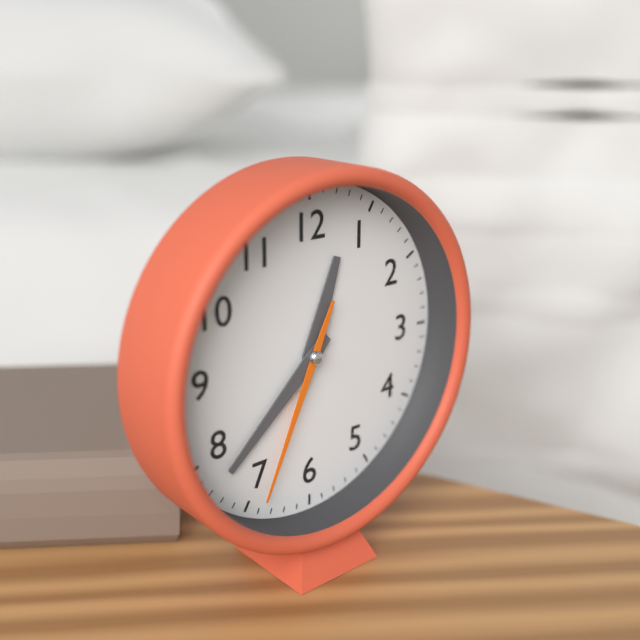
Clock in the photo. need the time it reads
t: 12:38:34
